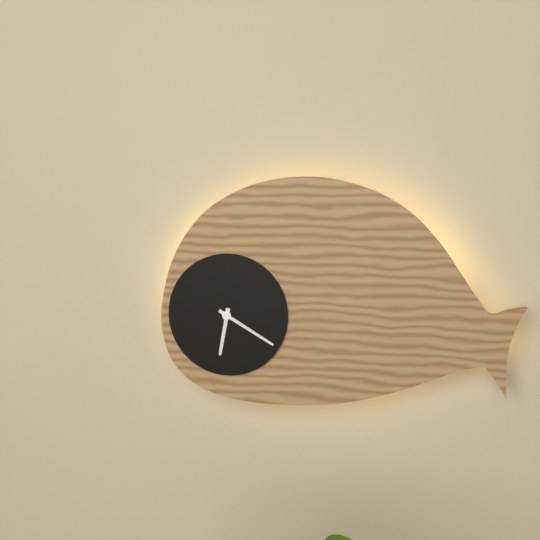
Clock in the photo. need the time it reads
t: 6:20
